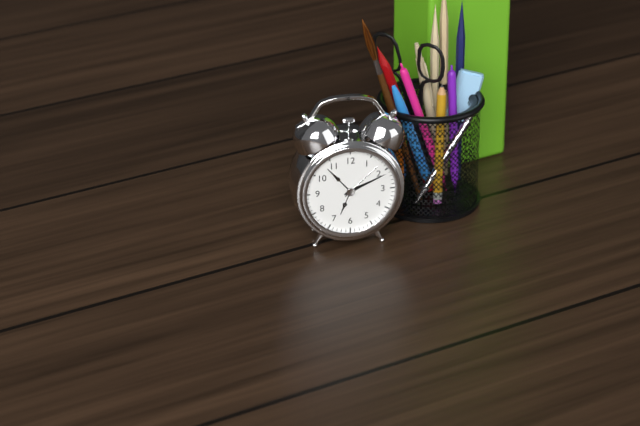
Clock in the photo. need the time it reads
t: 2:11
